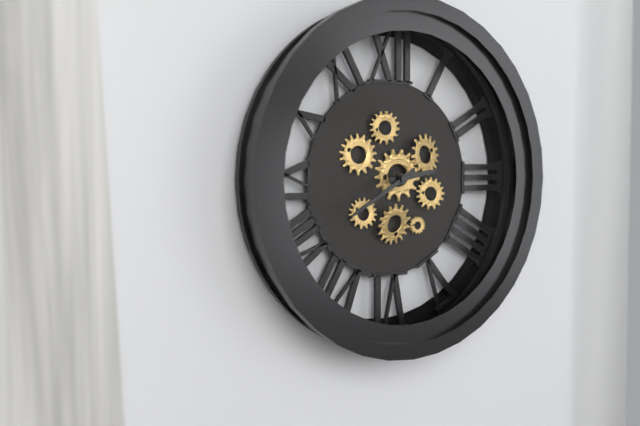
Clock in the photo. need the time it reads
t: 2:40
